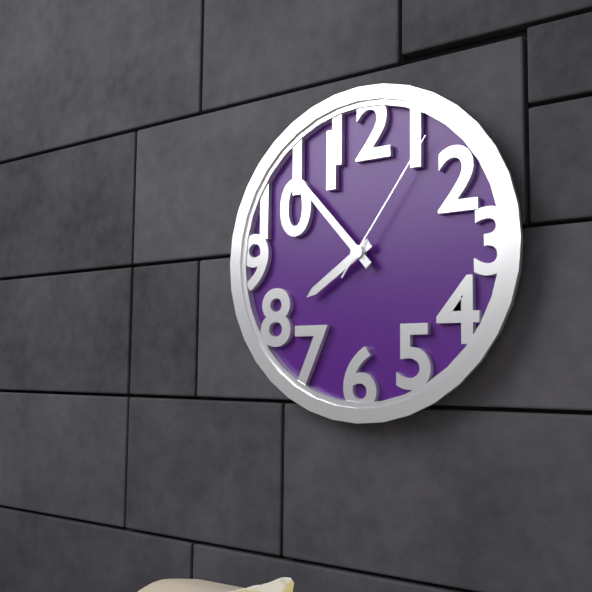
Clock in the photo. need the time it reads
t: 7:53:06
